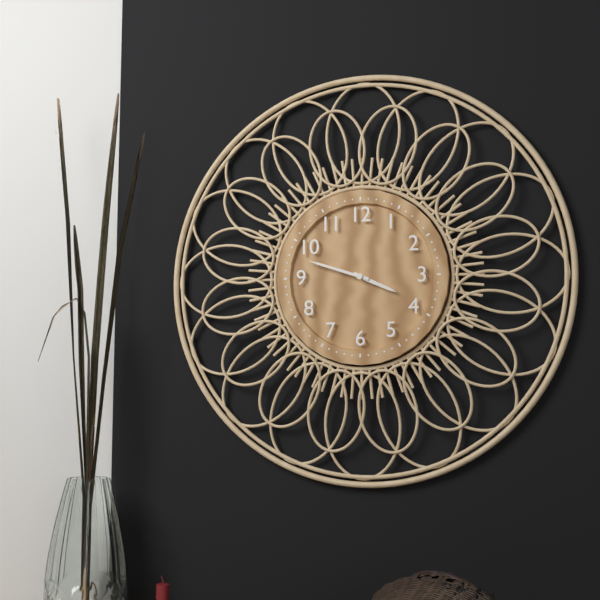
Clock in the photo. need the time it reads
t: 3:48
